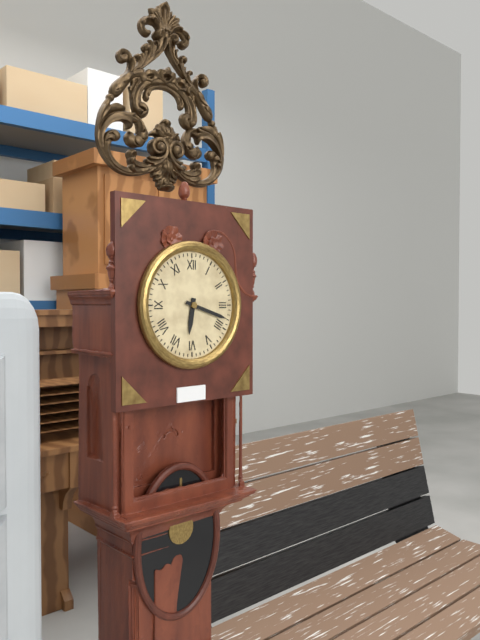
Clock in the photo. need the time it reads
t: 6:18
